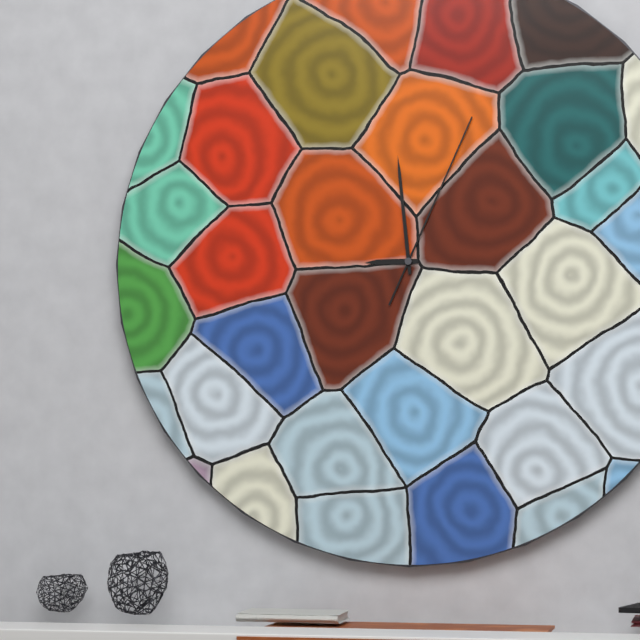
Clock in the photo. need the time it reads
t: 8:59:04
